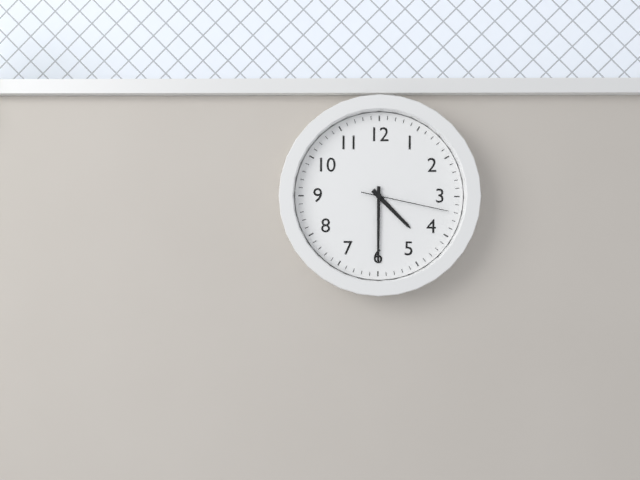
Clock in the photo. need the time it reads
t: 4:30:17
